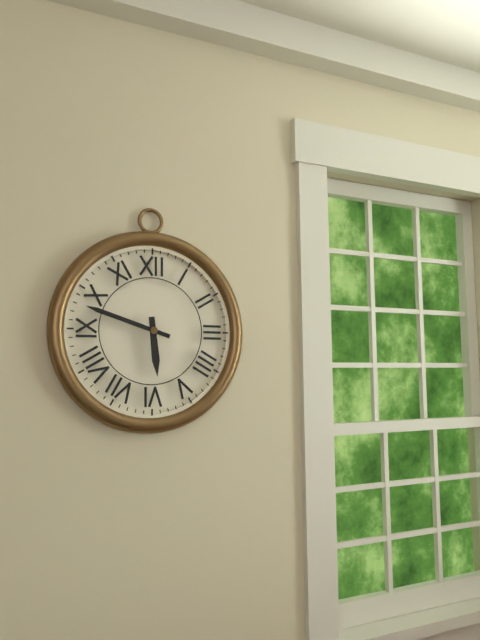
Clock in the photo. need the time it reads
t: 5:48
